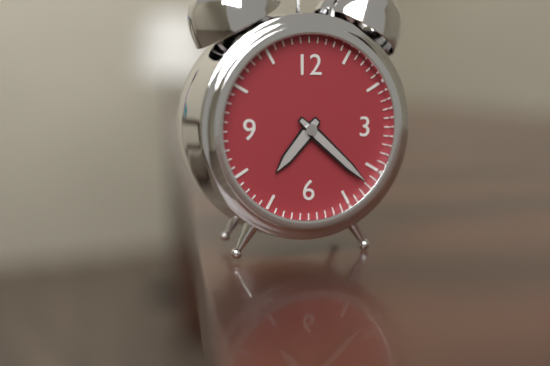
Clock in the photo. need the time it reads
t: 7:22
